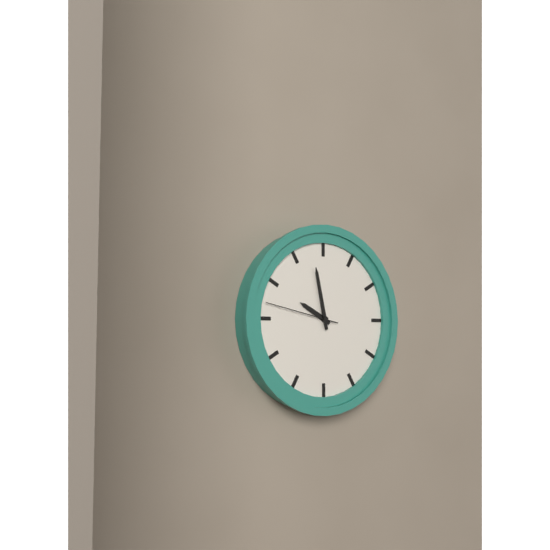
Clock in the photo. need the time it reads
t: 9:58:47
